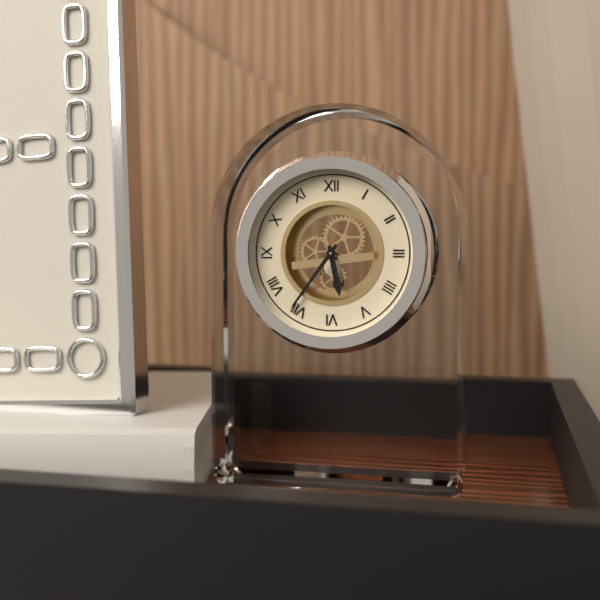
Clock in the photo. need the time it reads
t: 5:36
